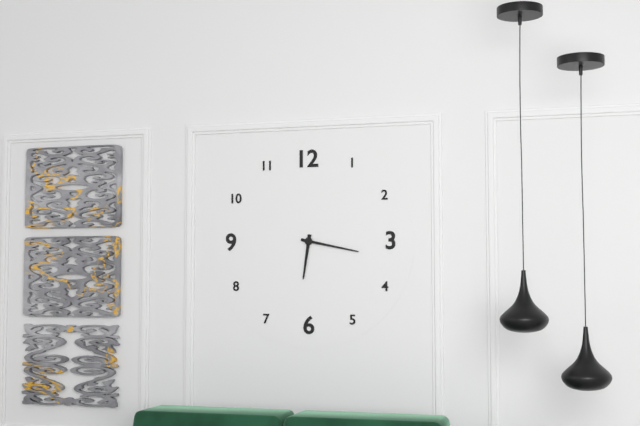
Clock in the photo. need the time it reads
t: 6:17
